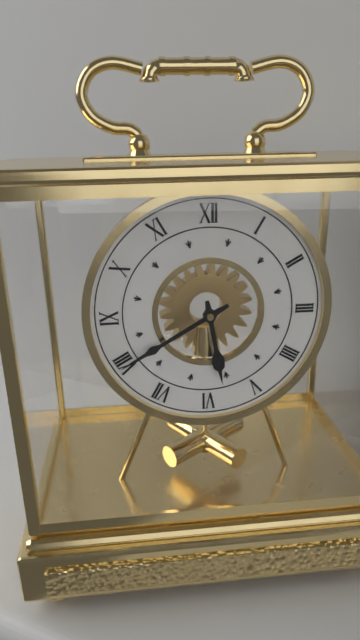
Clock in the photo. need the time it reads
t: 5:40
